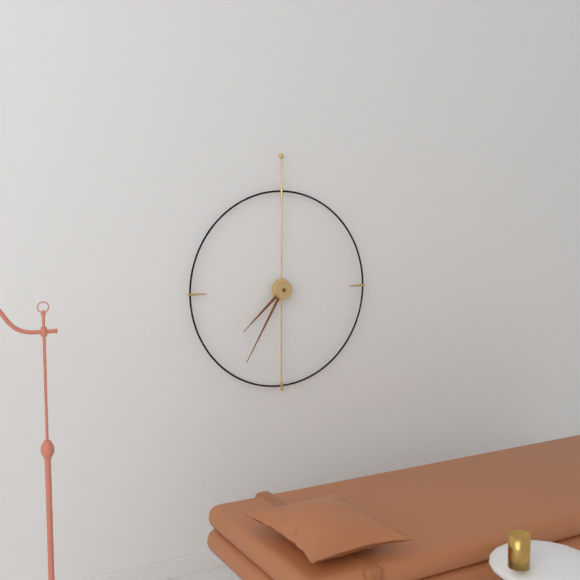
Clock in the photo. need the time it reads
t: 7:35
